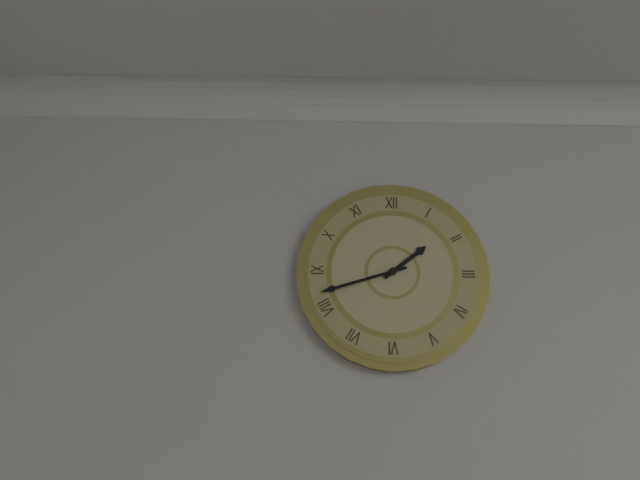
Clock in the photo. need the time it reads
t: 1:42
